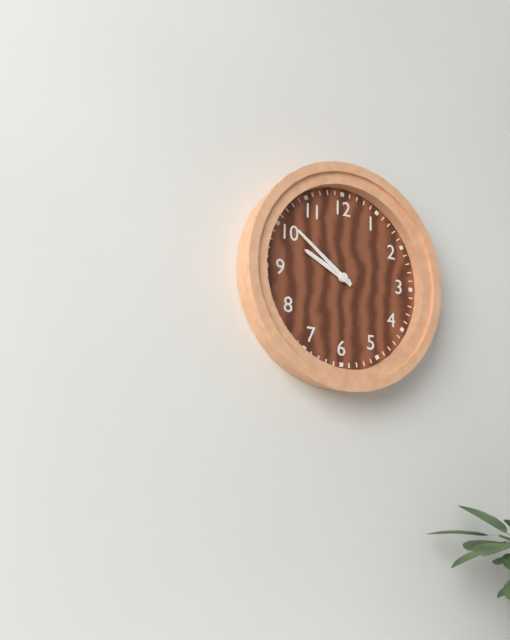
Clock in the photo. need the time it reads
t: 9:51
